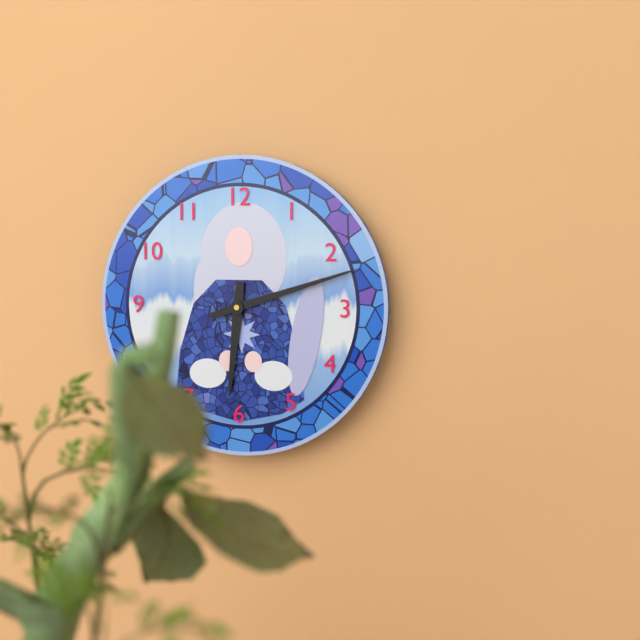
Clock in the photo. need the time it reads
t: 6:12
